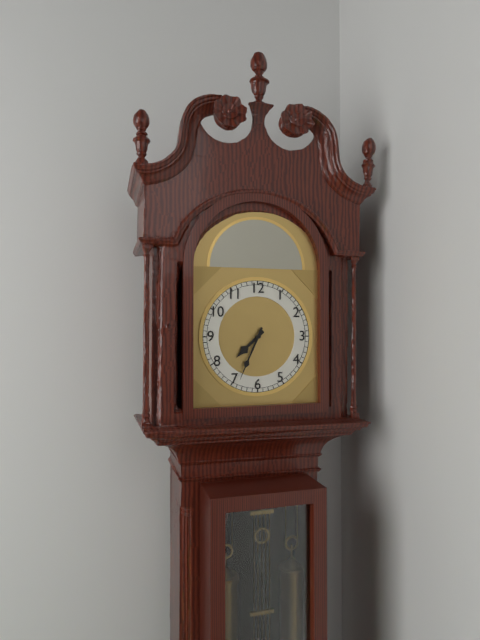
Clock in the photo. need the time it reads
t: 7:34
